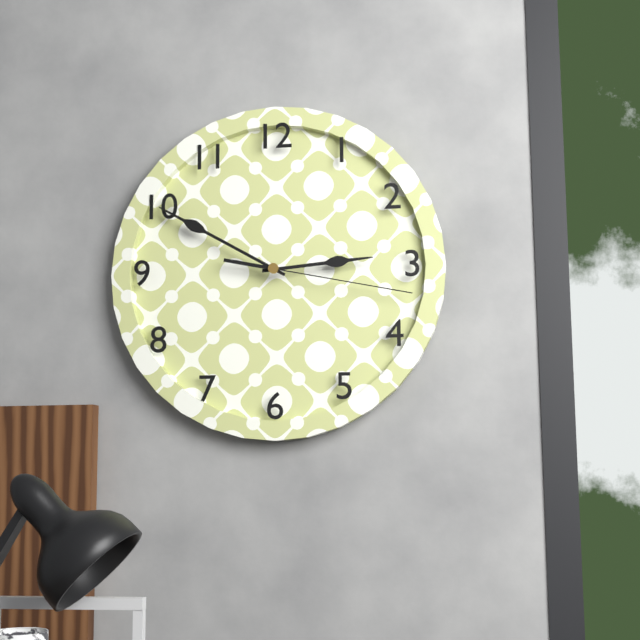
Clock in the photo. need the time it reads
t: 2:50:17
